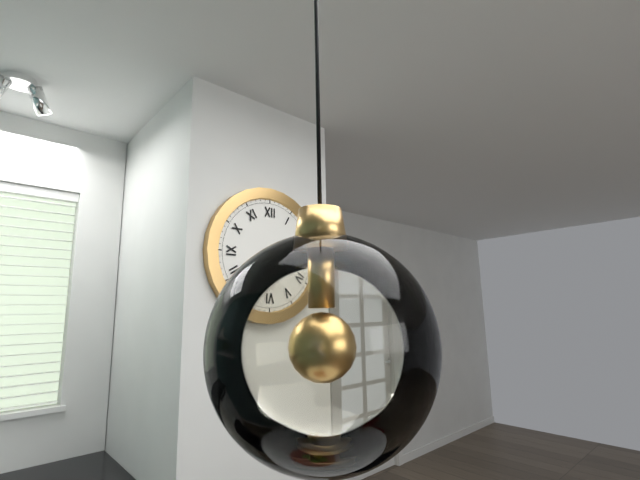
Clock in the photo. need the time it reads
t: 2:38
